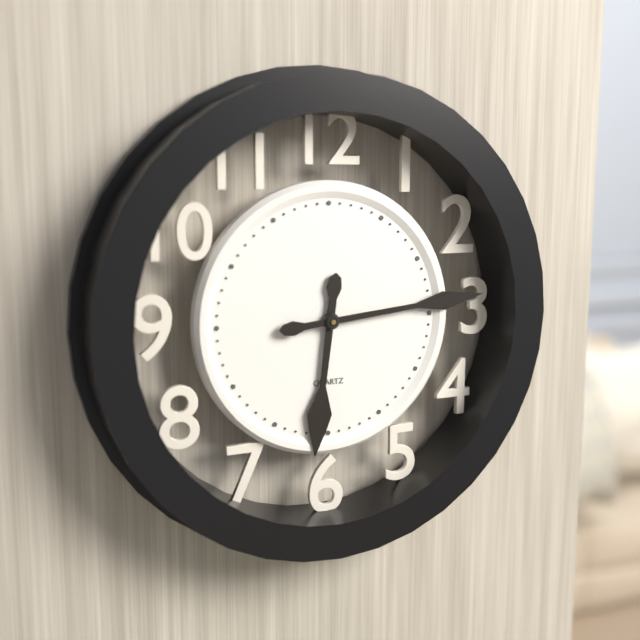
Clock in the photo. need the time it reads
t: 6:14
